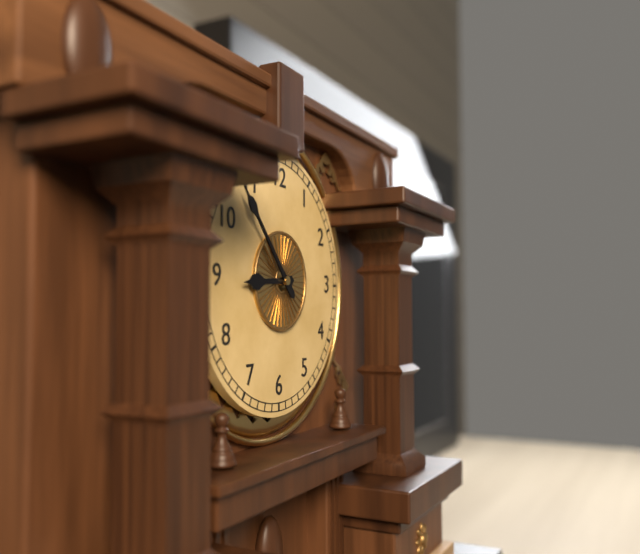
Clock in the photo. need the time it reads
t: 8:53
